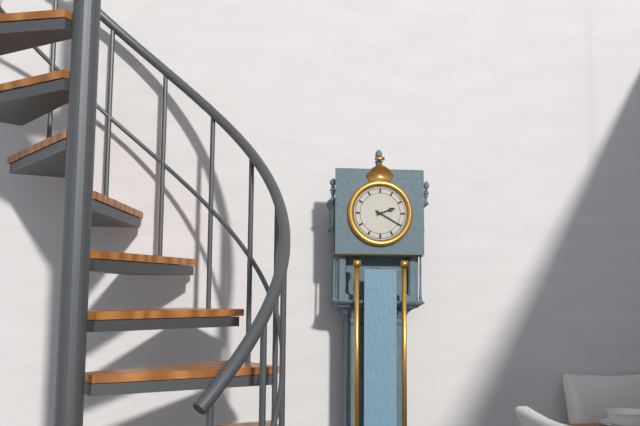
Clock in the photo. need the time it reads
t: 2:20
